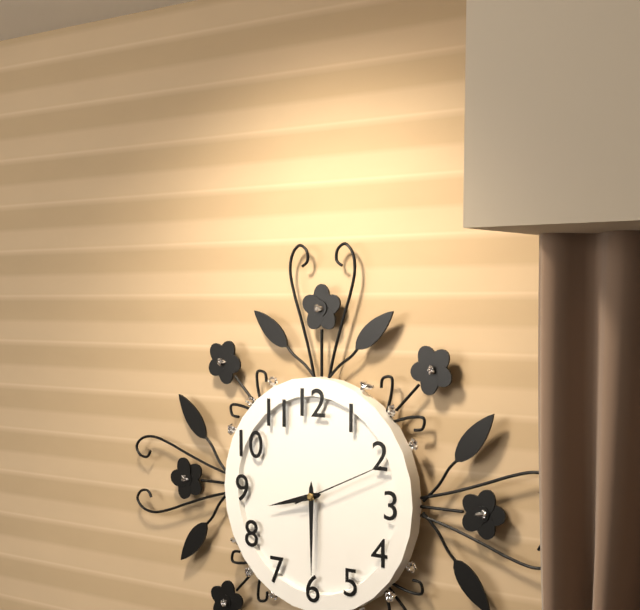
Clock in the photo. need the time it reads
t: 8:30:11
